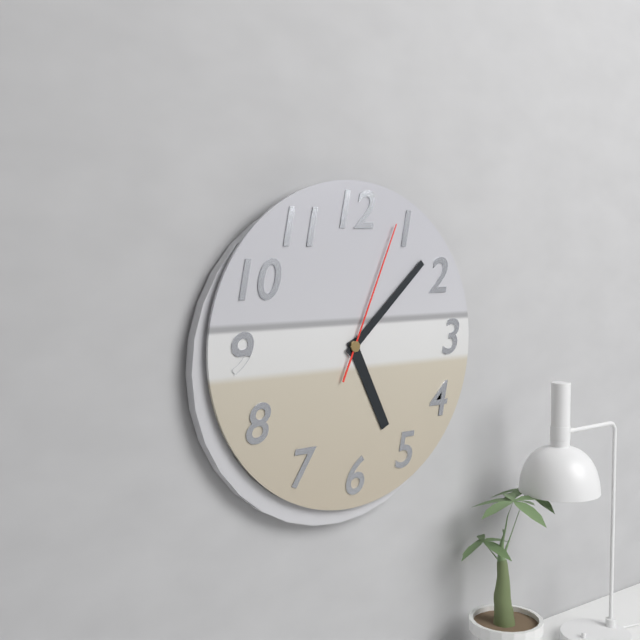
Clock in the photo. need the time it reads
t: 5:08:04
